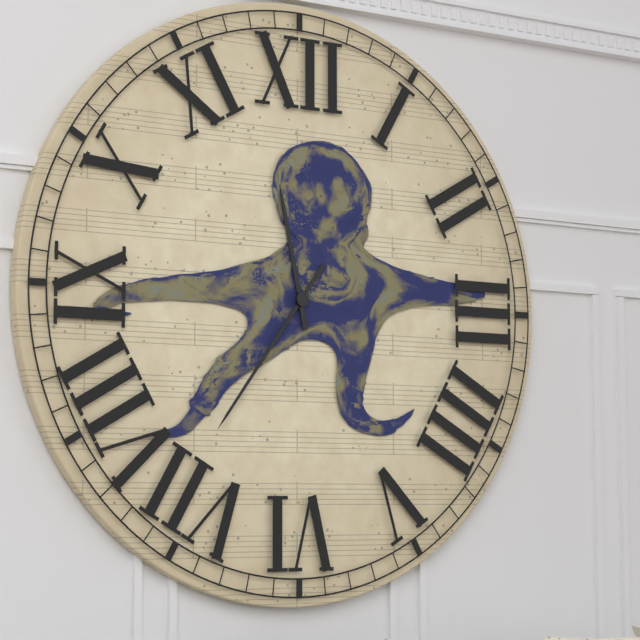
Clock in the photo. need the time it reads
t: 11:36
